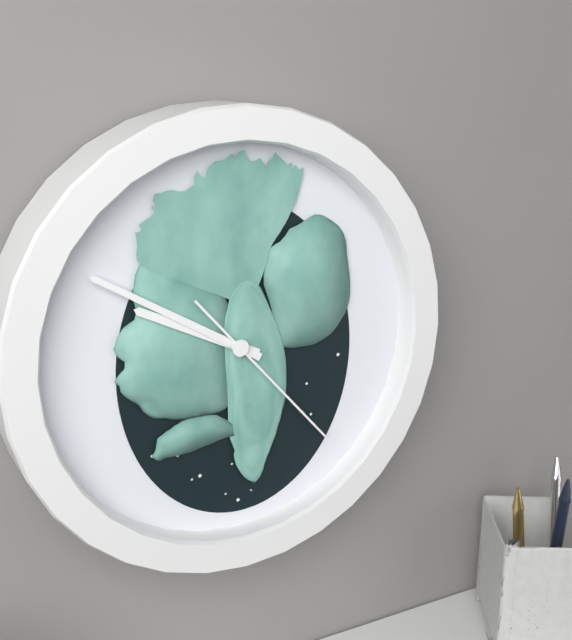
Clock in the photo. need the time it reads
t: 9:50:23
